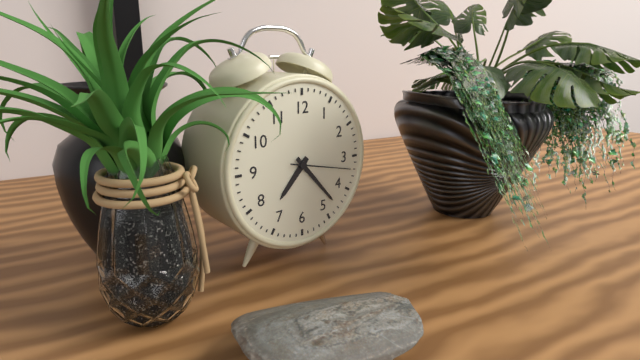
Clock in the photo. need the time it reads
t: 7:23:17
